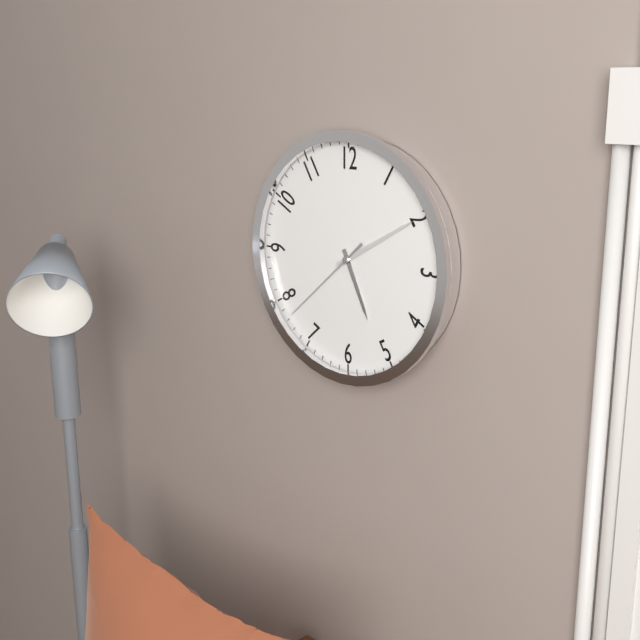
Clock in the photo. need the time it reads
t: 5:10:38
